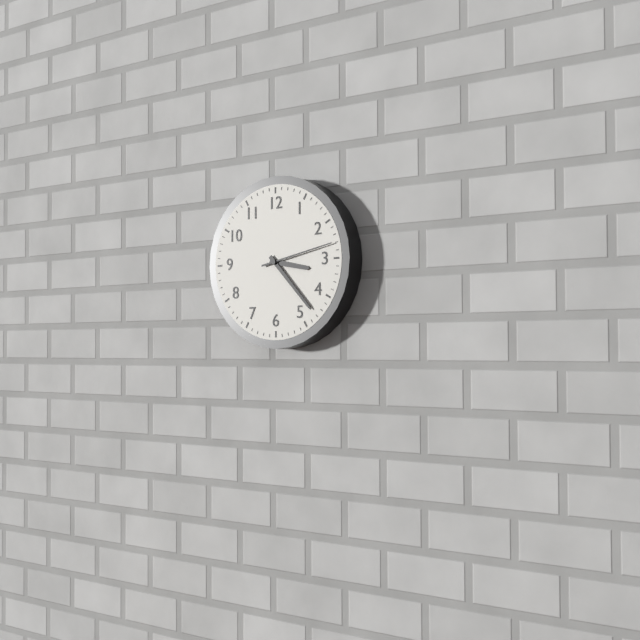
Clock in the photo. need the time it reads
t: 3:23:13
